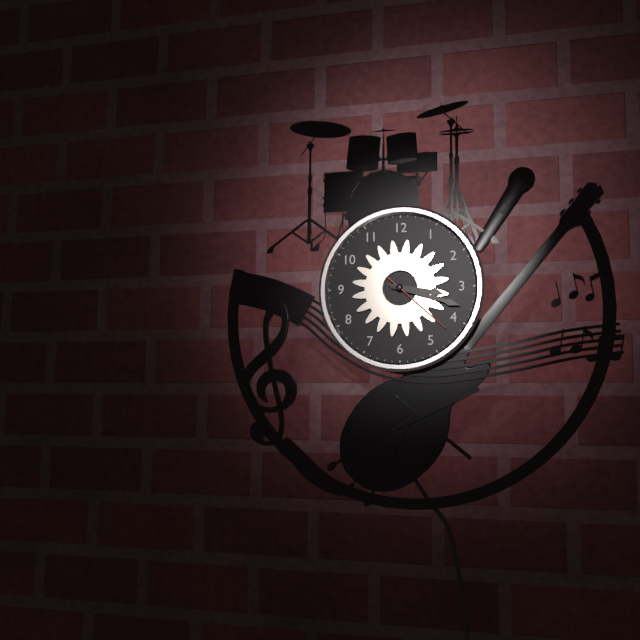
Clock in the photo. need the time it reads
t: 3:18:22
